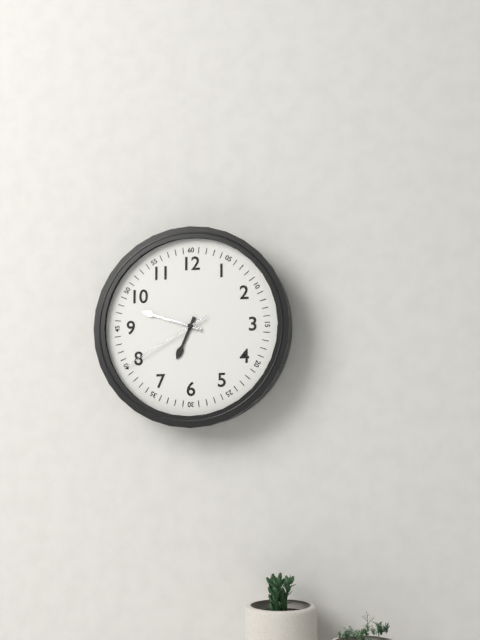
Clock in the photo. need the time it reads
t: 6:48:40
